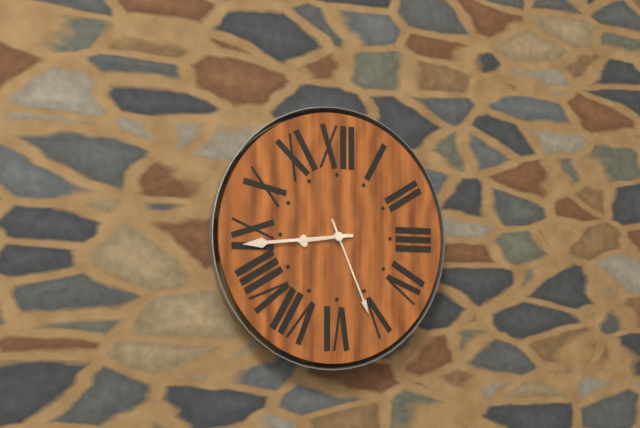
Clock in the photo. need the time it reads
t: 8:44:26
